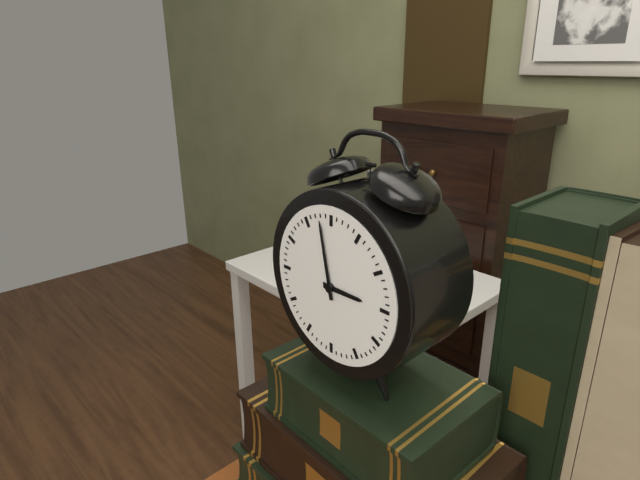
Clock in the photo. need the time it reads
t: 2:58
